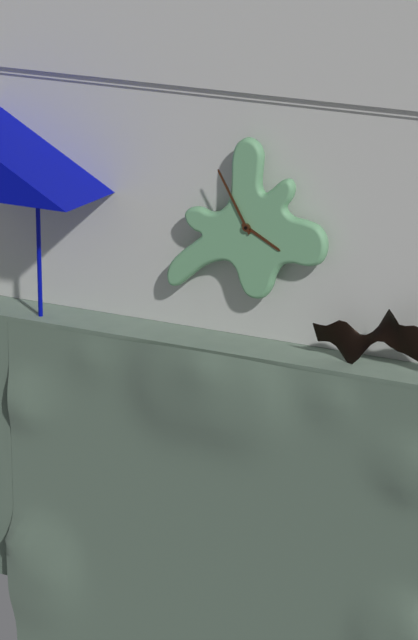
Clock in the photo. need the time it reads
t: 3:55
